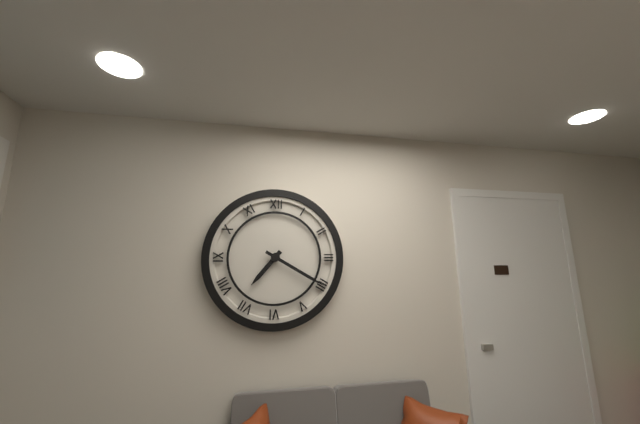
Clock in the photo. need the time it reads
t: 7:20
